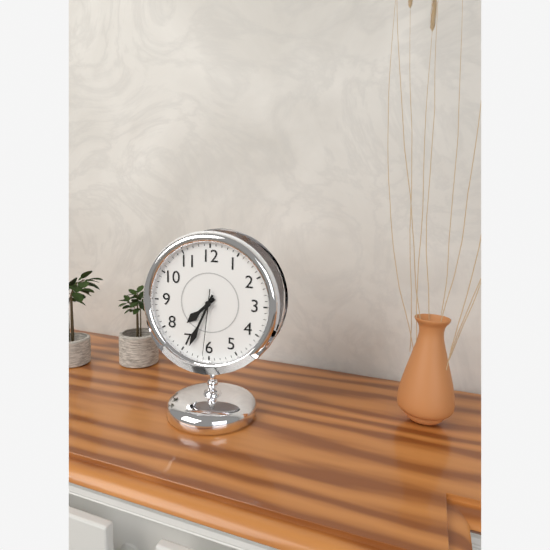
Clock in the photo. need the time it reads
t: 7:34:31
